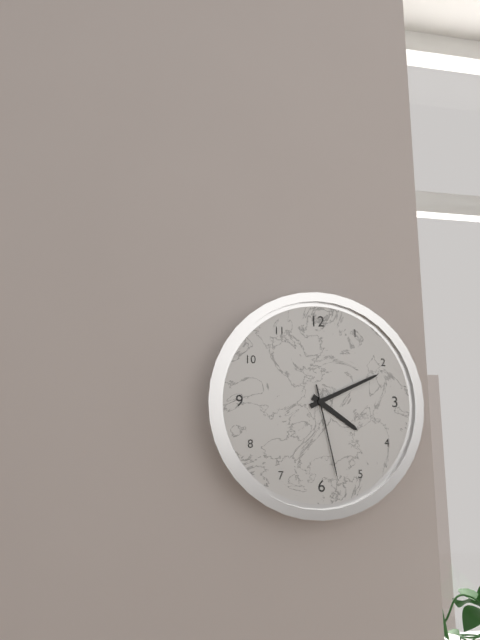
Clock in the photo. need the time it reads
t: 4:11:28
